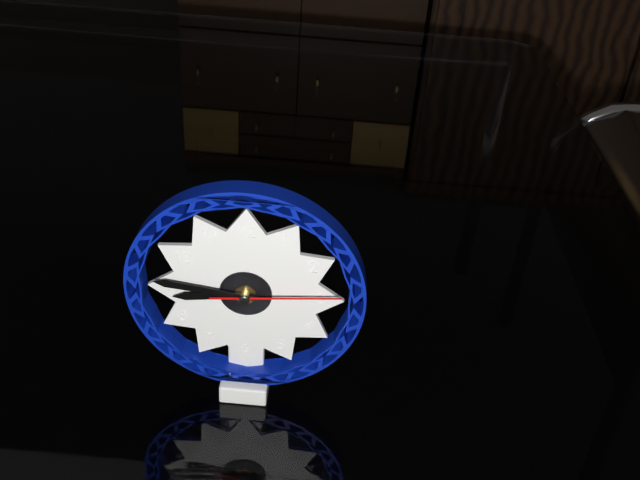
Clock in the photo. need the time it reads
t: 8:46:14
